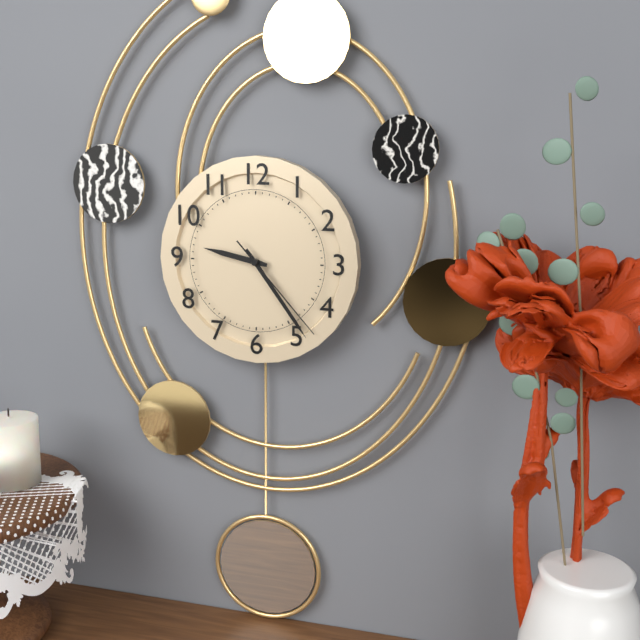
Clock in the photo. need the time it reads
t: 9:24:23
